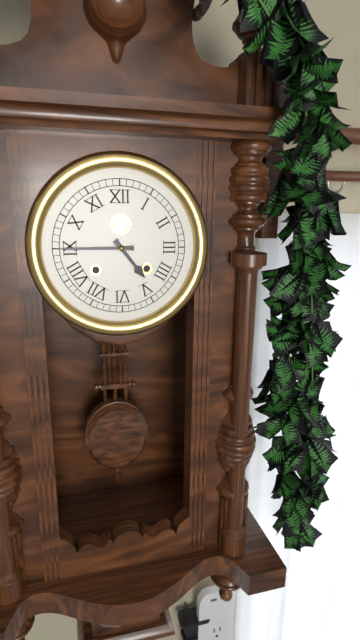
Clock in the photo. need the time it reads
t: 4:45
